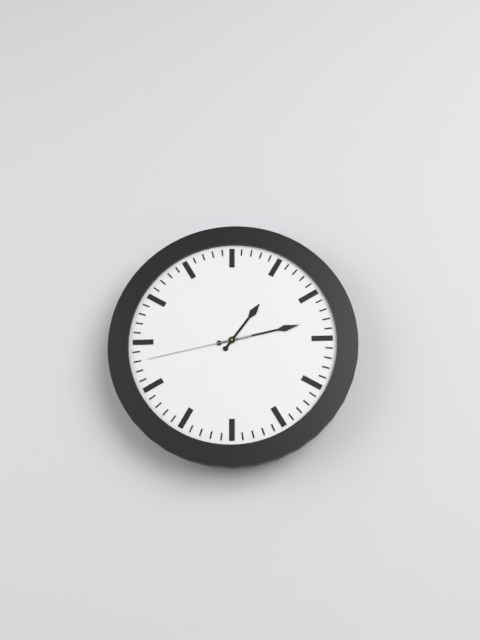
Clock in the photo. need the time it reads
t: 1:13:43
